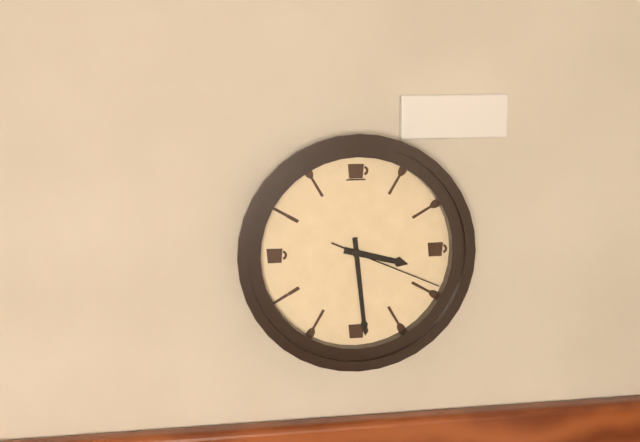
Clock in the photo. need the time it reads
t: 3:29:19
